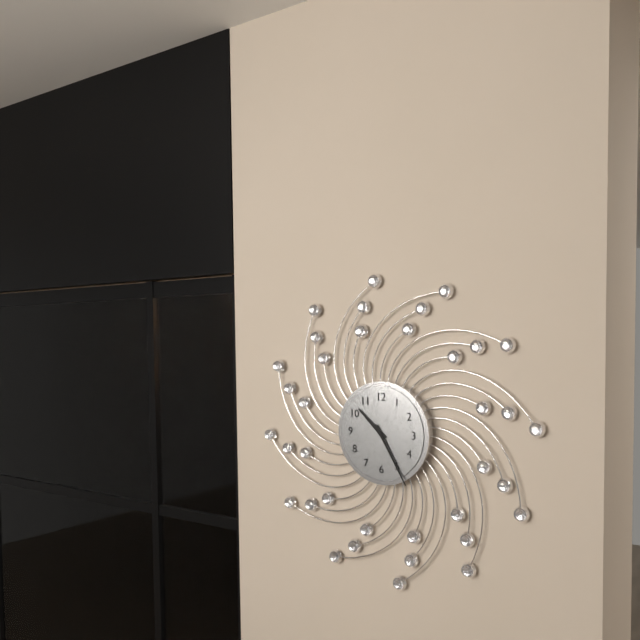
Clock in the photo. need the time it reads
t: 10:25
